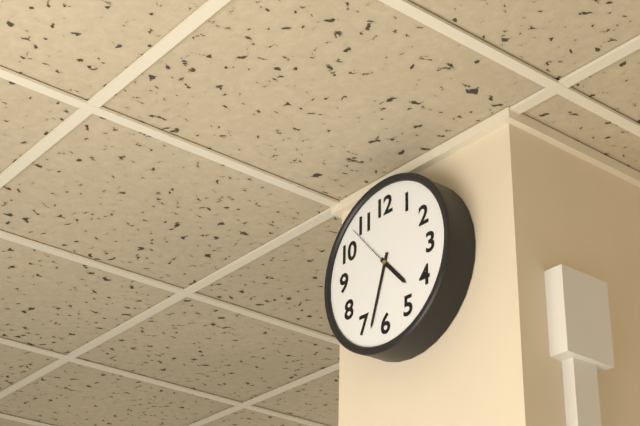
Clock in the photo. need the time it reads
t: 4:33:53
